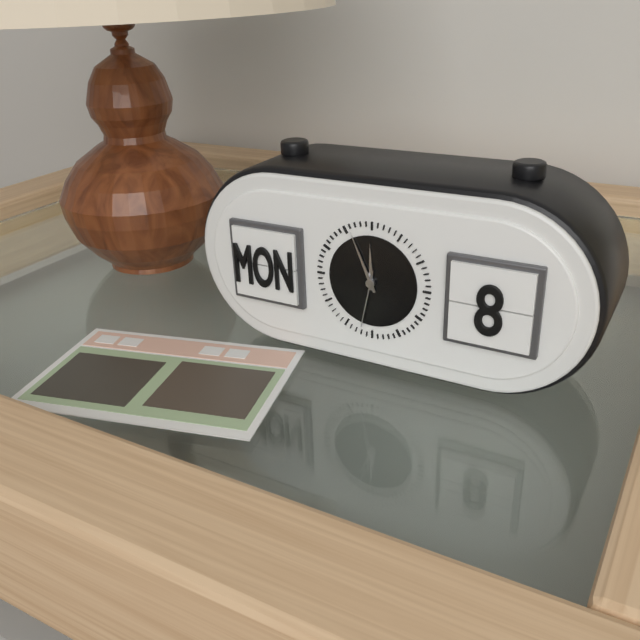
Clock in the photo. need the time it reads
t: 11:56:32
